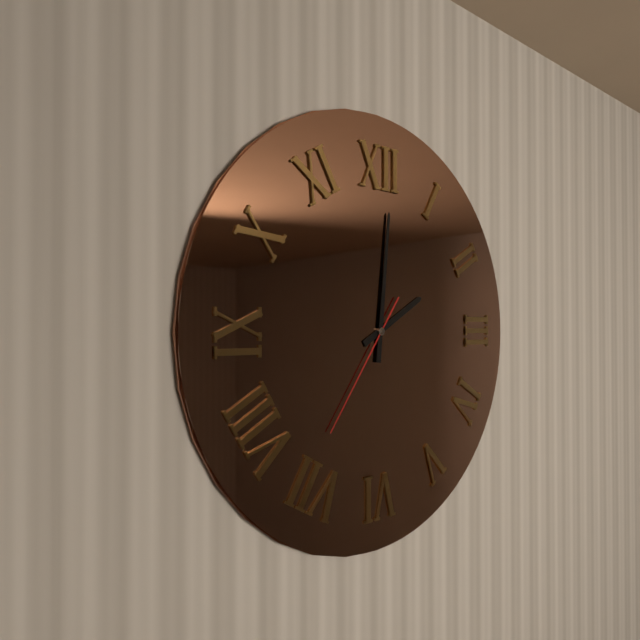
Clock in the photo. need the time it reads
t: 2:01:36
